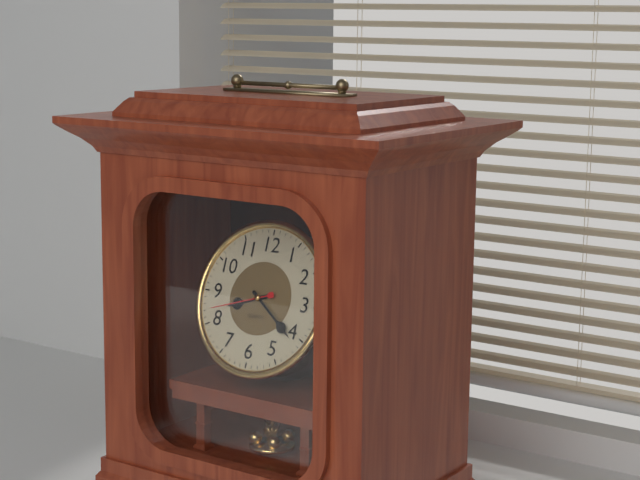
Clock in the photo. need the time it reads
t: 8:21:42
